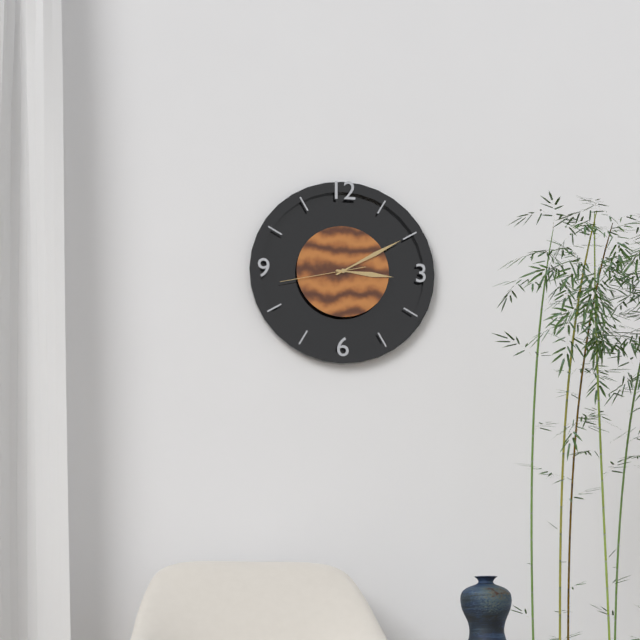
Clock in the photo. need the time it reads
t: 3:10:43
